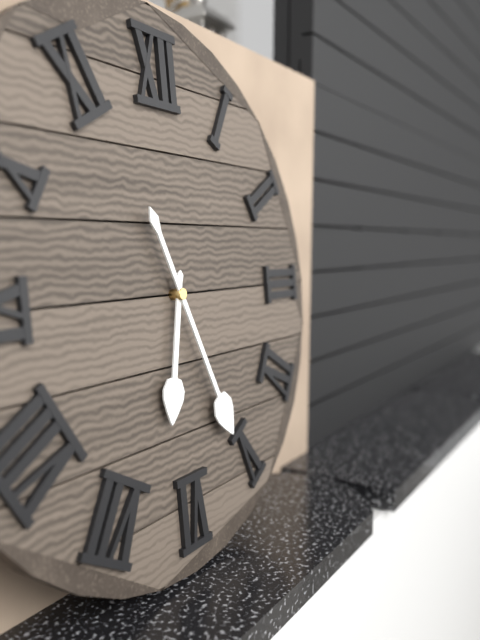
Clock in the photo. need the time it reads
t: 6:26
